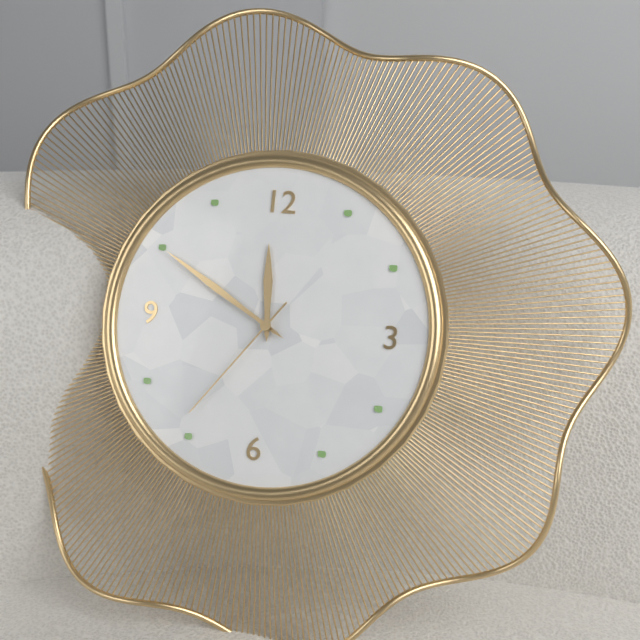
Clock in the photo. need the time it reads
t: 11:50:36
